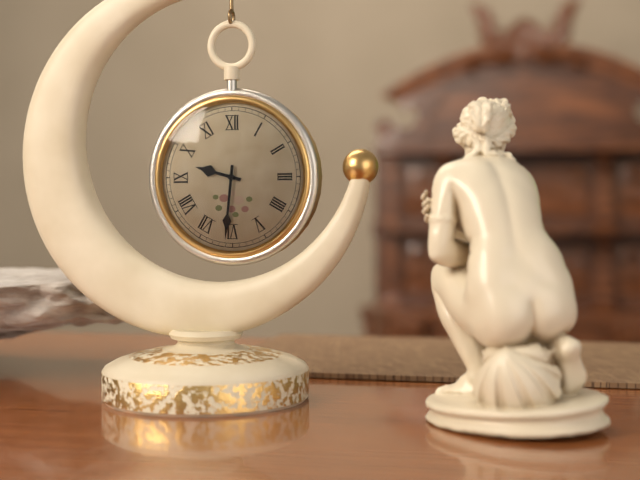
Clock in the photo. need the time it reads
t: 9:31
